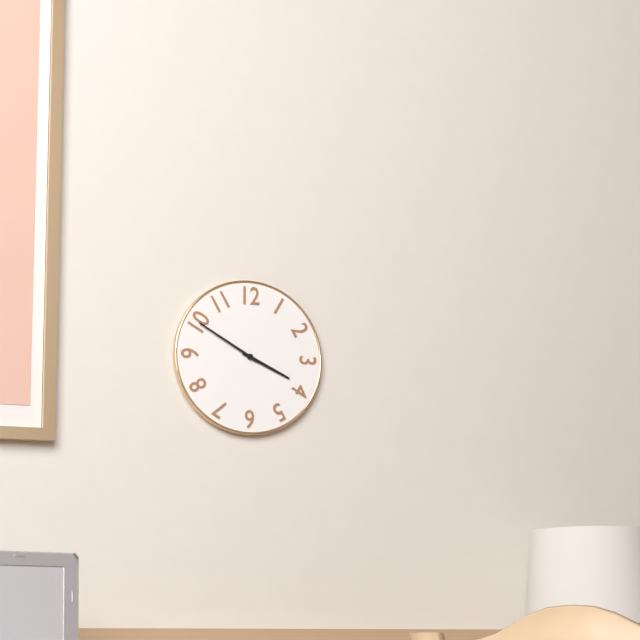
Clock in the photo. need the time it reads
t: 3:50
